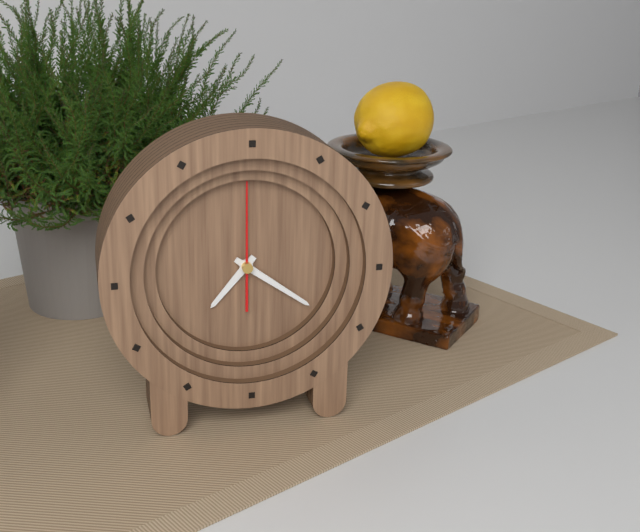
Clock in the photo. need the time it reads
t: 7:21:00
